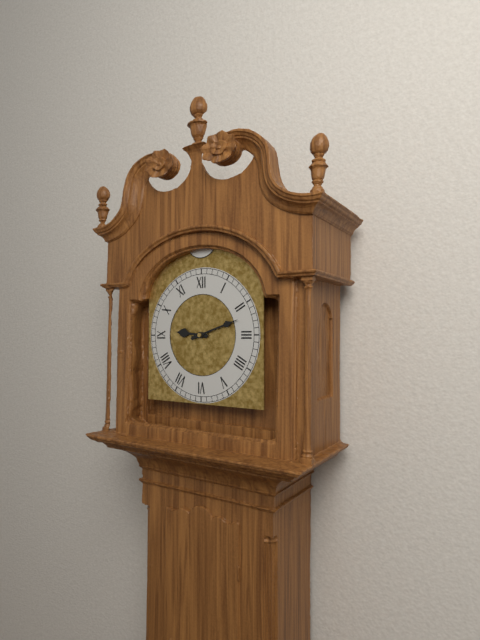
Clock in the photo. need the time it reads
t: 9:12
